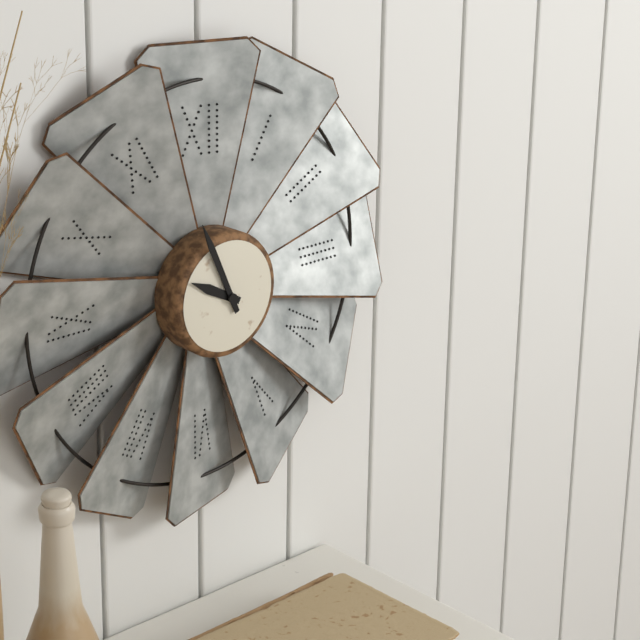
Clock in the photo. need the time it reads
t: 9:56
